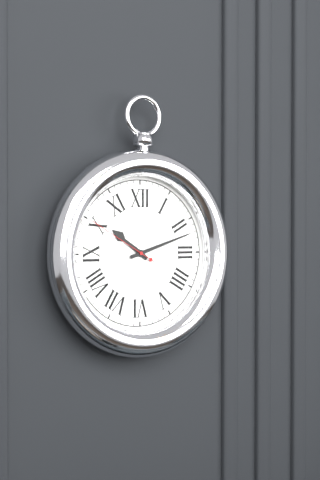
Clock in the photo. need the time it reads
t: 10:12:50
